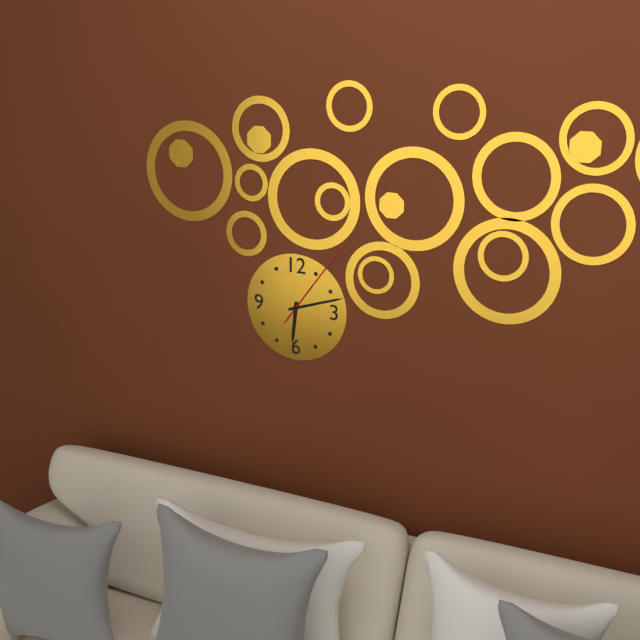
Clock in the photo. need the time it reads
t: 6:12:06
